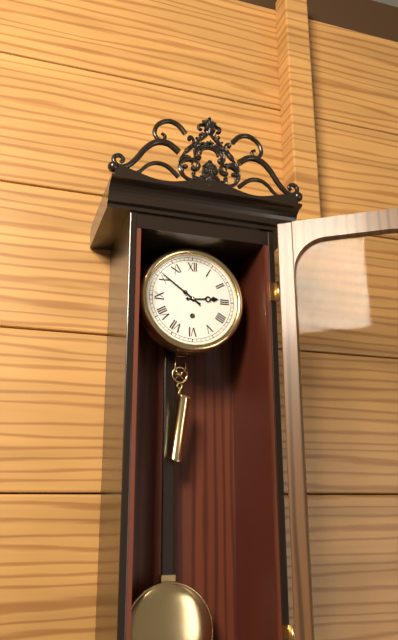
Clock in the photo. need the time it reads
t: 2:51
